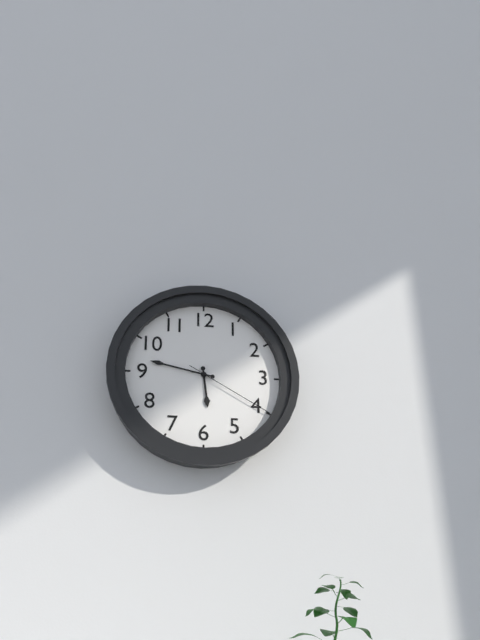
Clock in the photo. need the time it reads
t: 5:47:20
